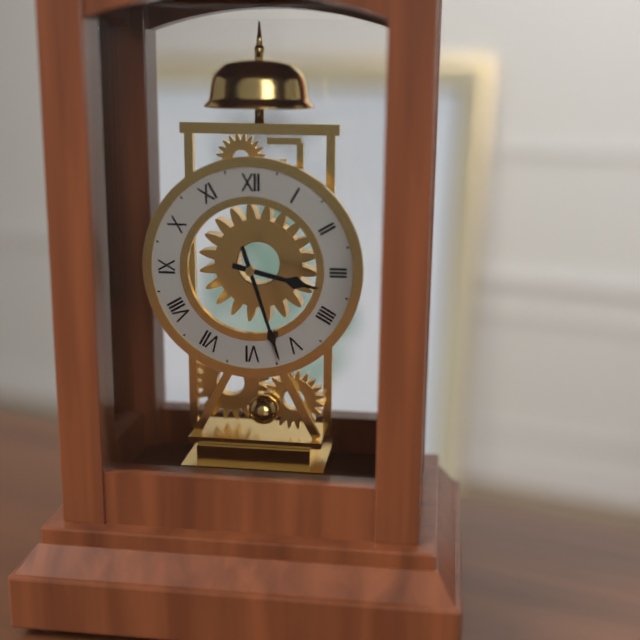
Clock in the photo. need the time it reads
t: 3:27
